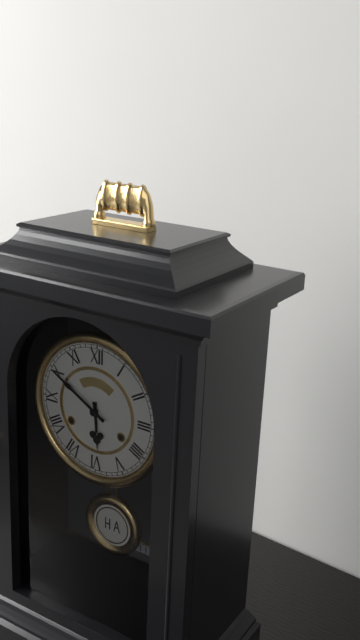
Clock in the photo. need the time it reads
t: 5:50
